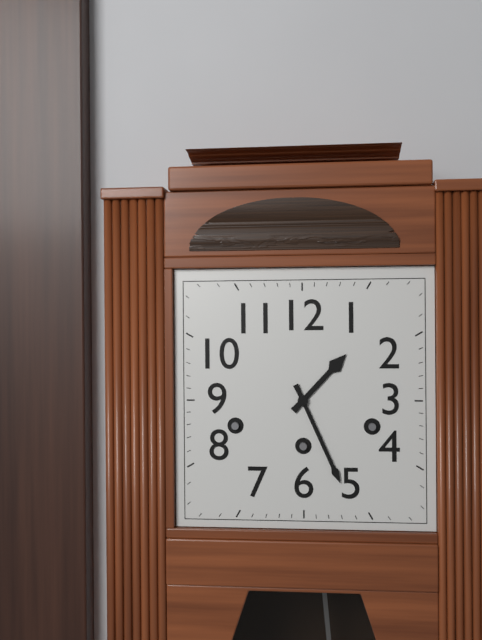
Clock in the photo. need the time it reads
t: 1:26
